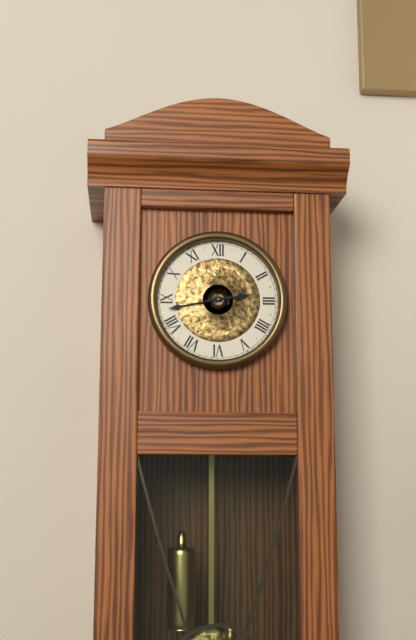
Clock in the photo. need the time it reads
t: 2:43
